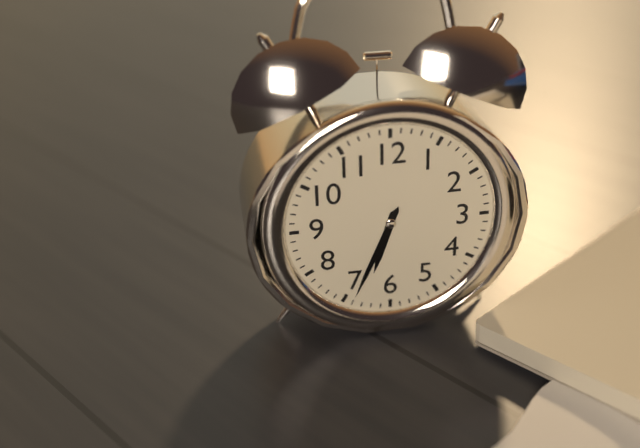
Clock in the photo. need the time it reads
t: 6:34
